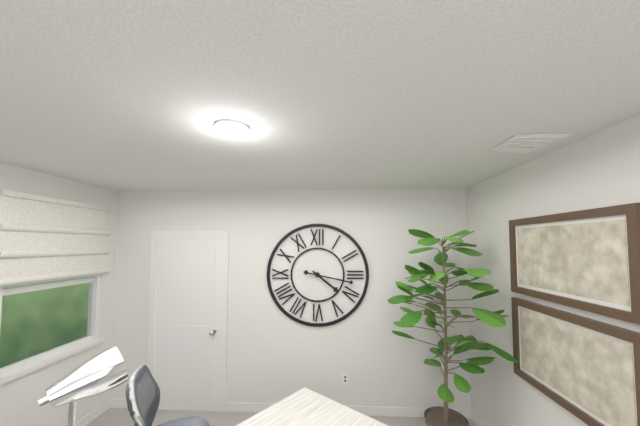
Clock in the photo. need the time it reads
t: 4:17
